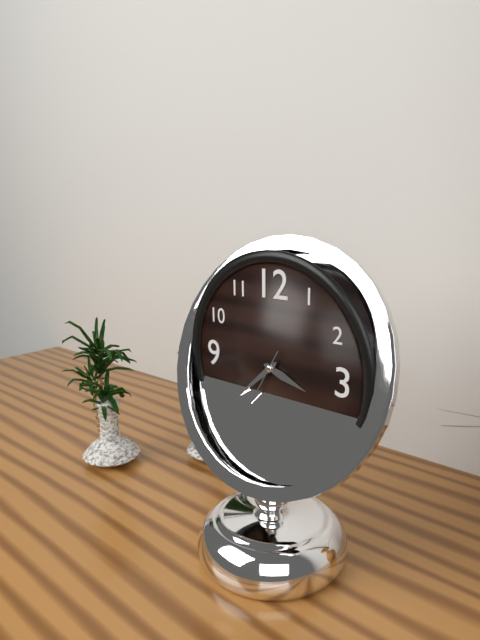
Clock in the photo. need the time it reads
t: 3:38
